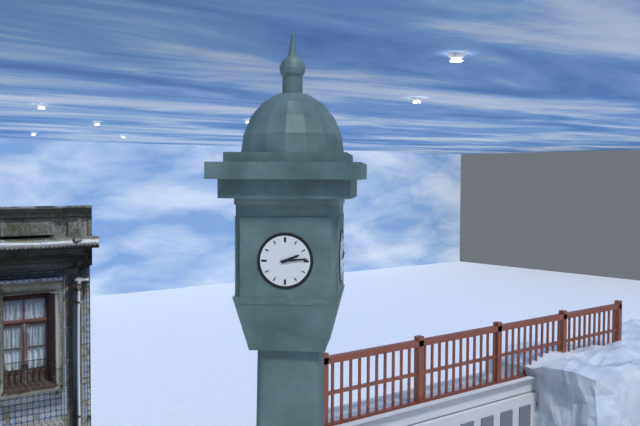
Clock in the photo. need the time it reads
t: 2:14
